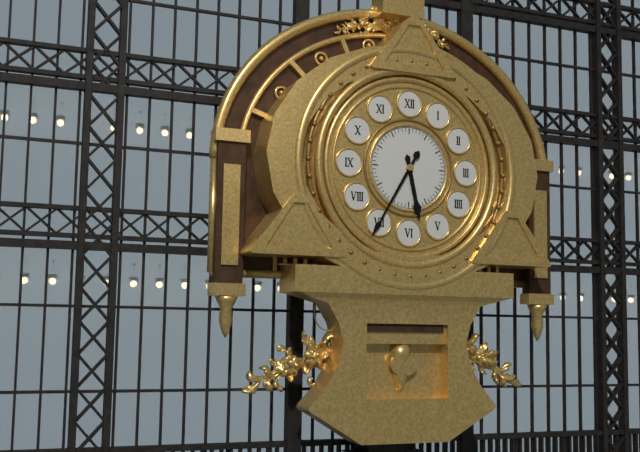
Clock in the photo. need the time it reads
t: 5:35
